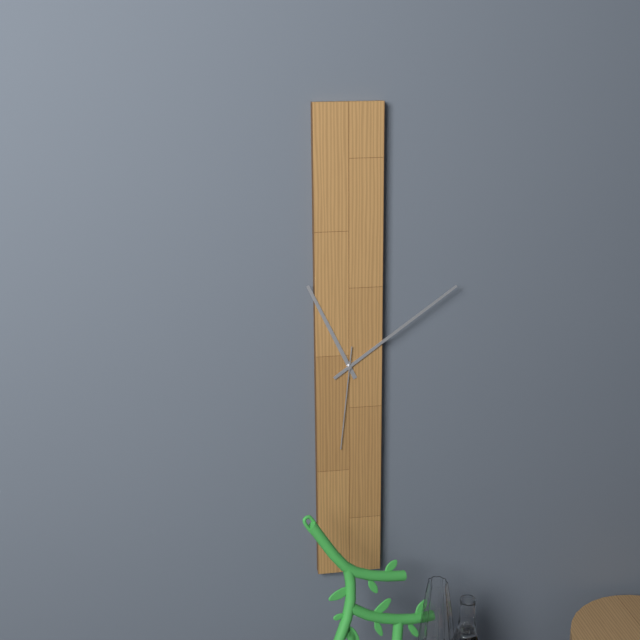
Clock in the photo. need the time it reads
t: 11:09:31
